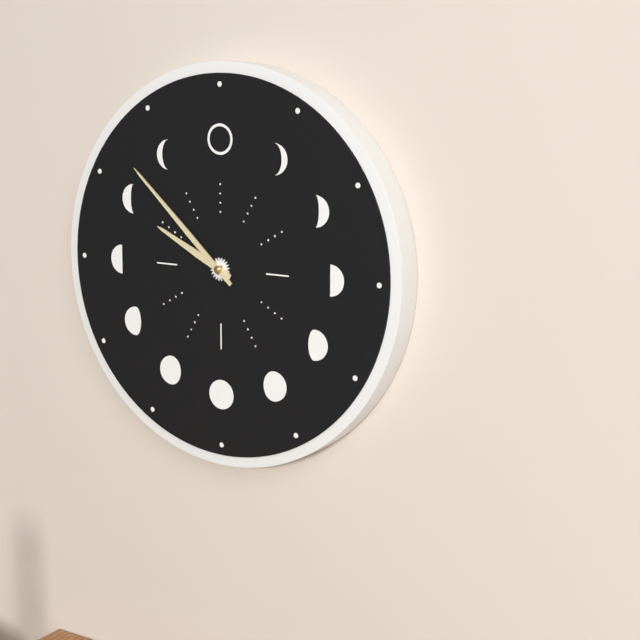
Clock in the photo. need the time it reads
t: 9:52
